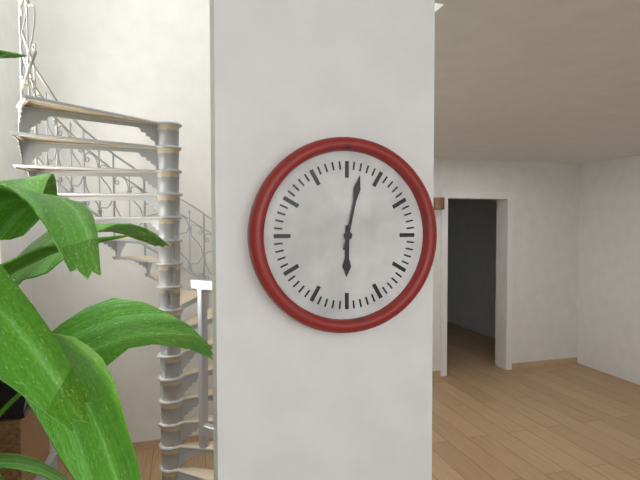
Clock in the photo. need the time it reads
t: 6:02
